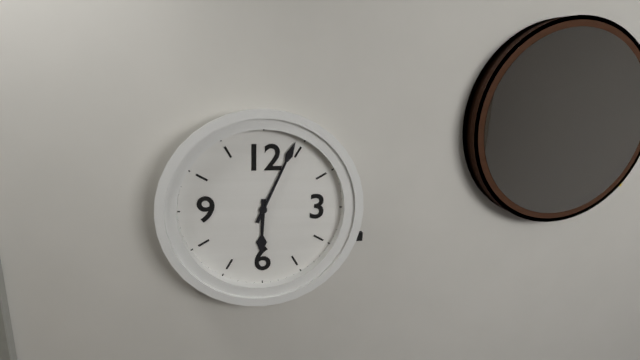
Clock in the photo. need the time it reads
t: 6:04
